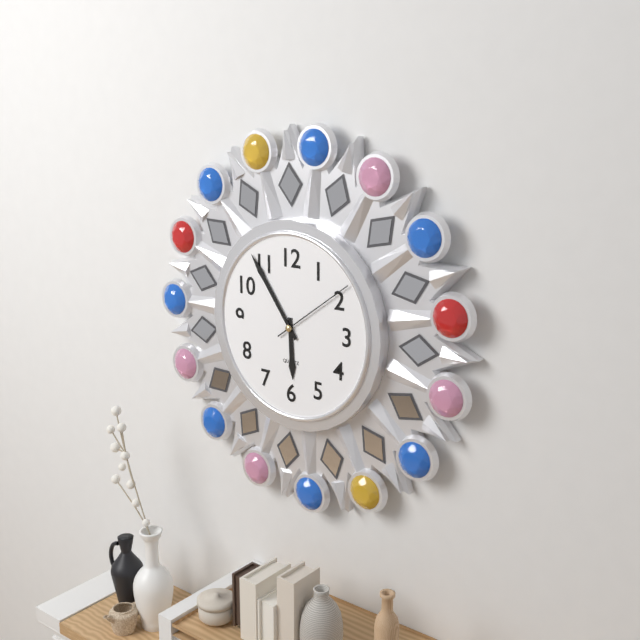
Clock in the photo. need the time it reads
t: 5:54:09
